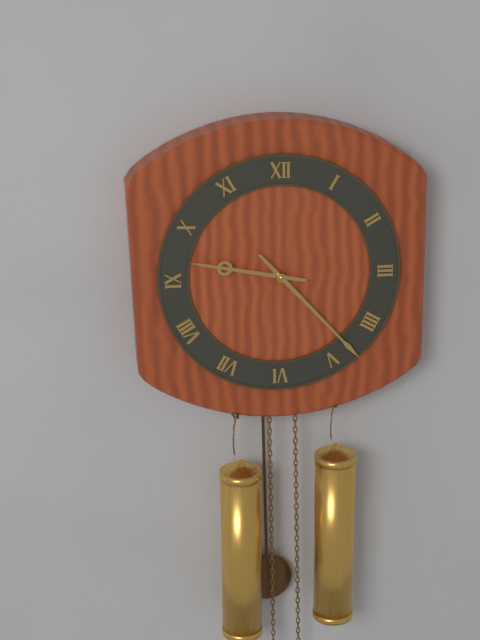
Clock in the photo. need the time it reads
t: 9:23
